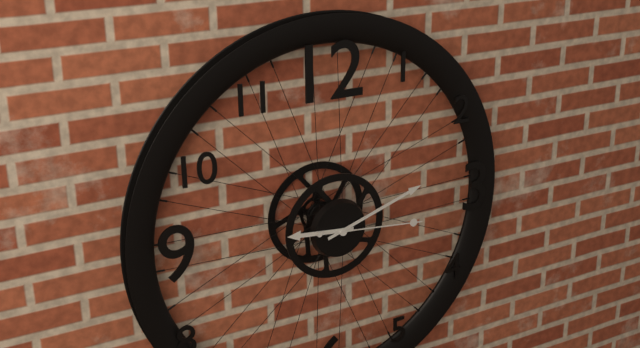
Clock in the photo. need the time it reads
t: 9:12:16
